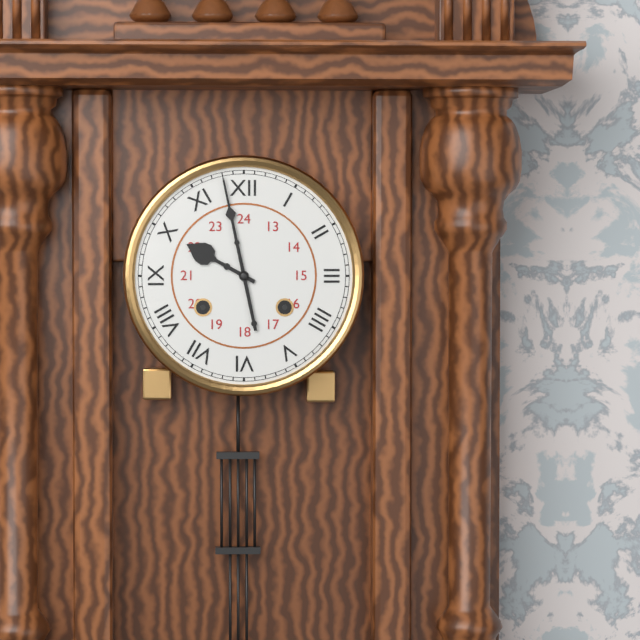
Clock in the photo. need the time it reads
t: 9:58
